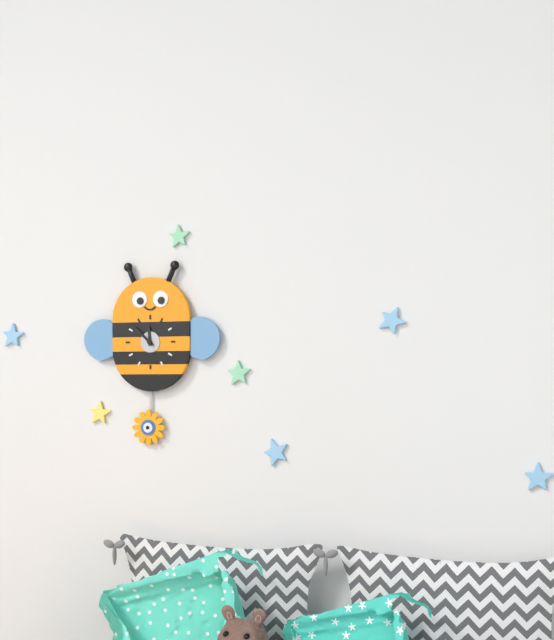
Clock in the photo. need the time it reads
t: 11:52
